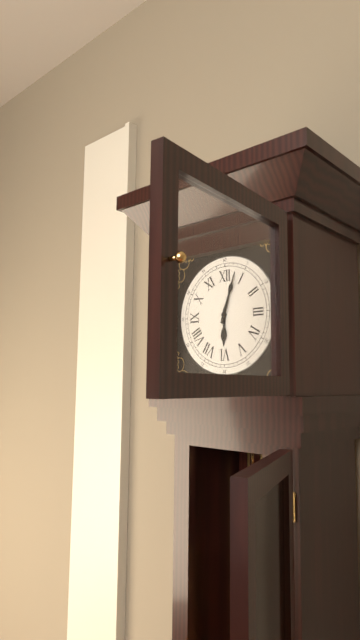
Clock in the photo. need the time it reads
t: 6:03
